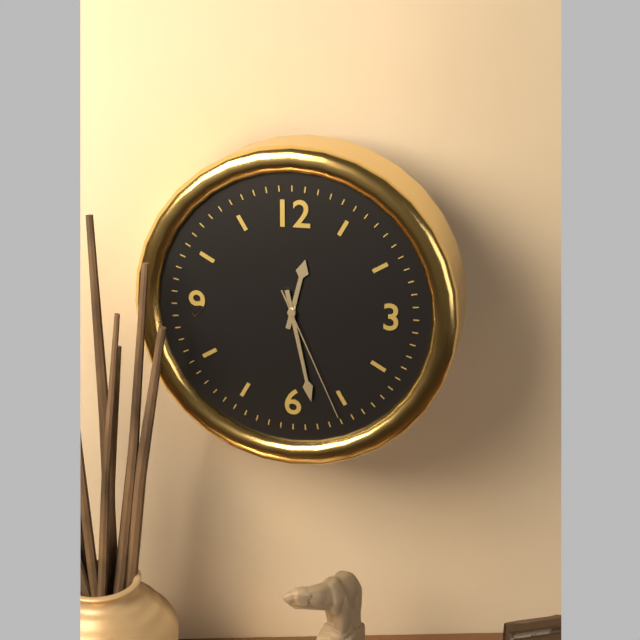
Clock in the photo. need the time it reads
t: 12:28:26
